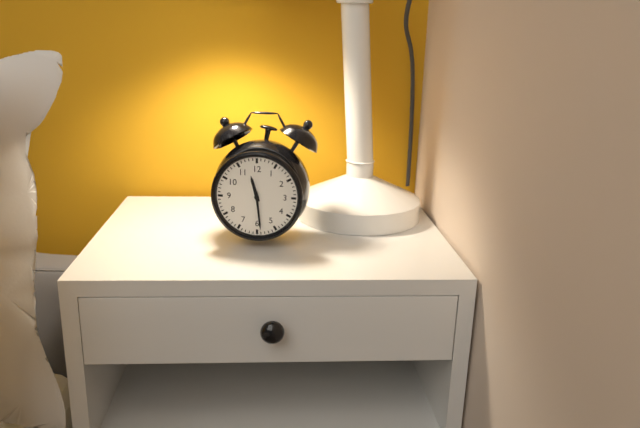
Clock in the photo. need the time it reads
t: 11:29
